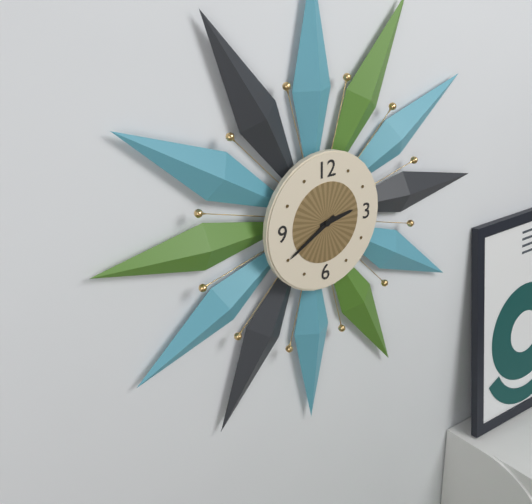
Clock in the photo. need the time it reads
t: 2:40
